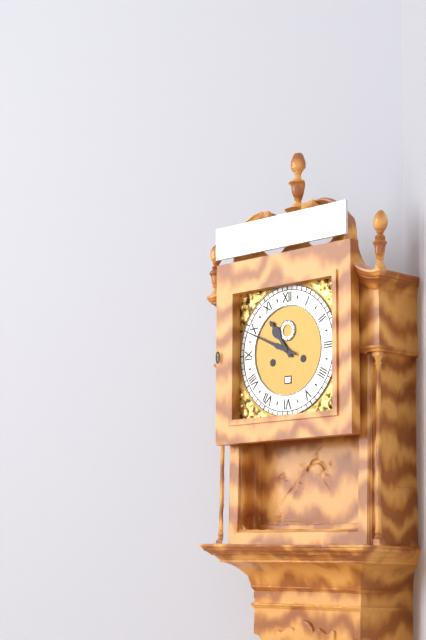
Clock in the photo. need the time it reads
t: 10:49
